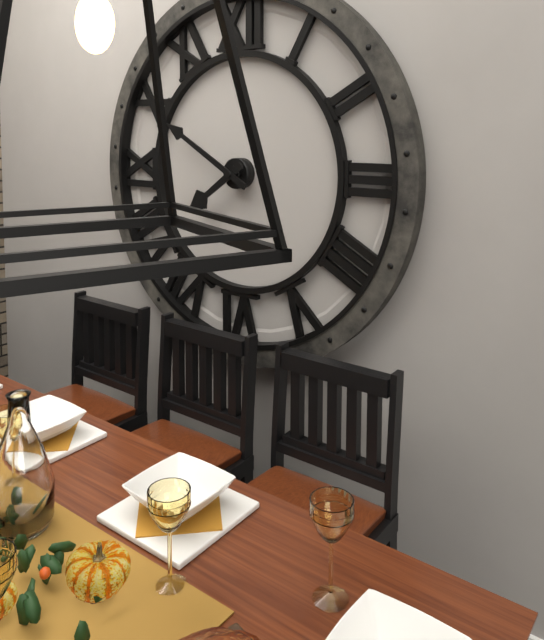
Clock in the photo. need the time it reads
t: 7:50
